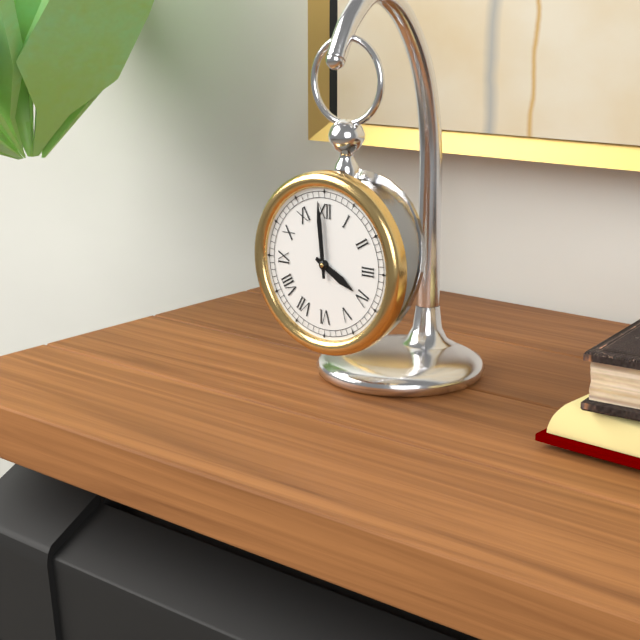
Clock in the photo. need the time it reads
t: 3:59
